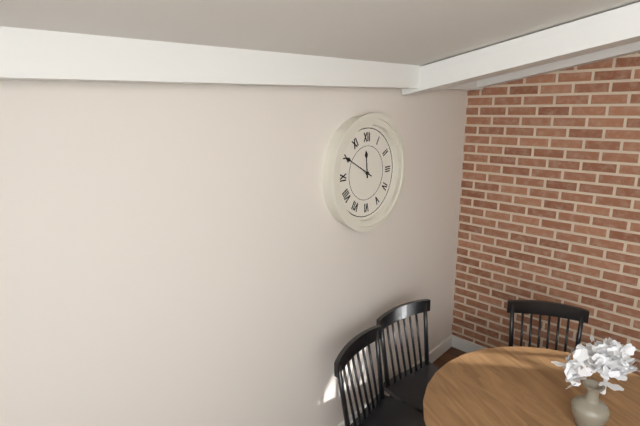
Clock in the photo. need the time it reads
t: 11:50
